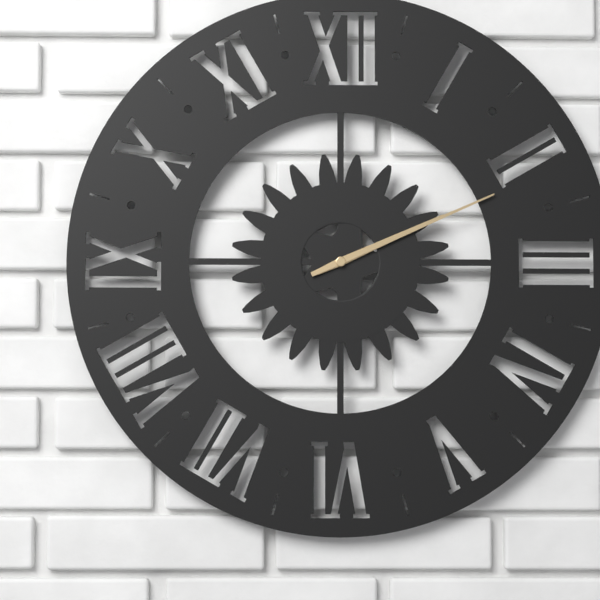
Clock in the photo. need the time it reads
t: 2:11
